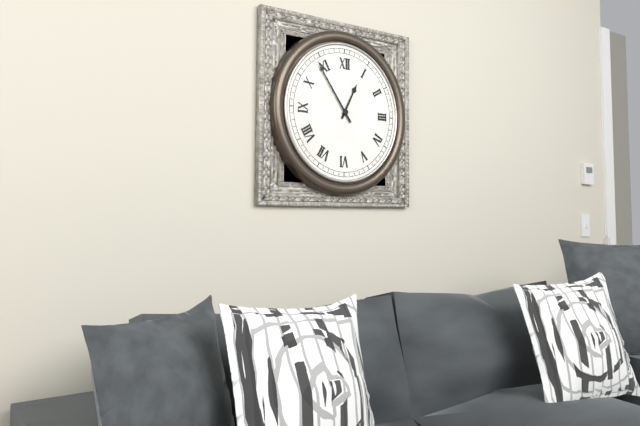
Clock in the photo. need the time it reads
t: 12:54
